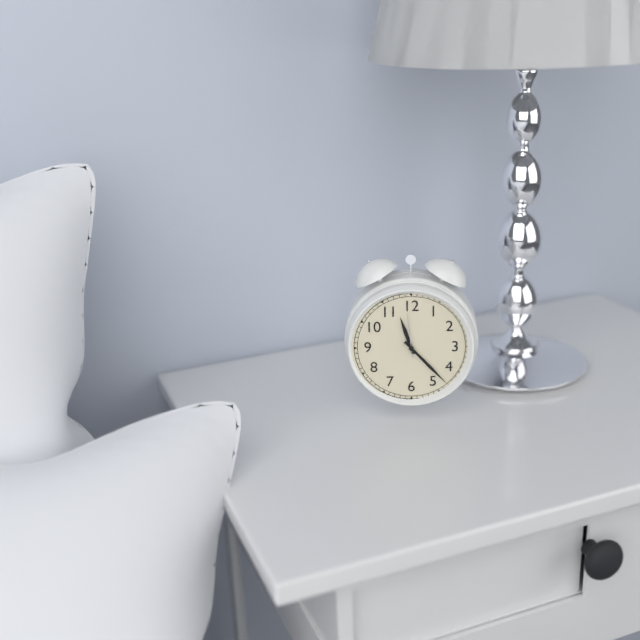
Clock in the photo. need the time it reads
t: 11:23:59
